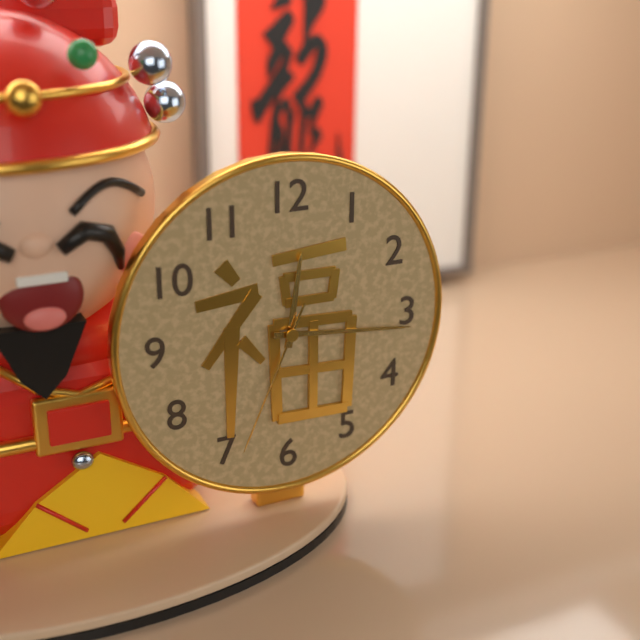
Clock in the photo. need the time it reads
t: 12:16:34
